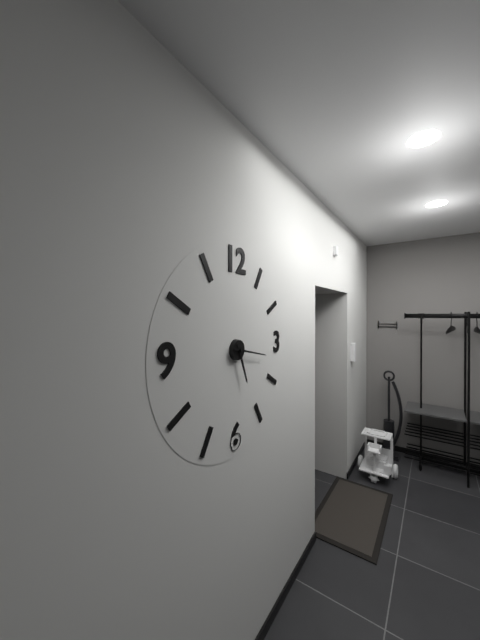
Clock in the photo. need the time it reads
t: 5:17
